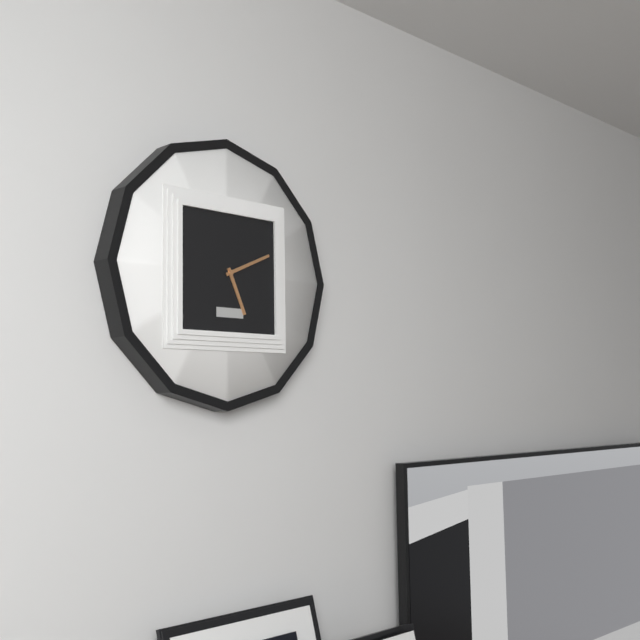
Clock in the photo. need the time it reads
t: 5:11
